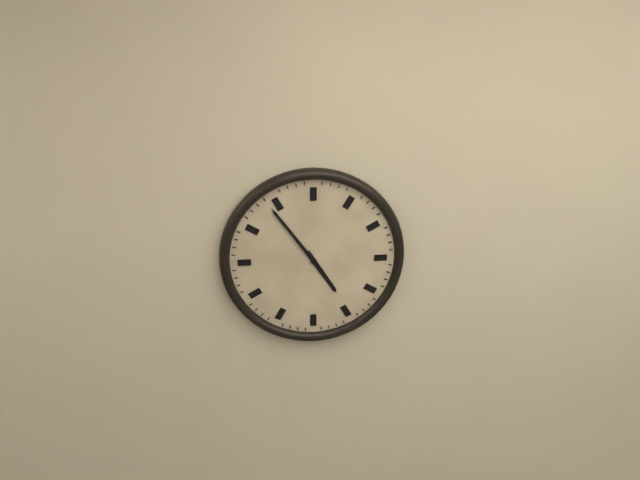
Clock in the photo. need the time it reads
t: 4:54
